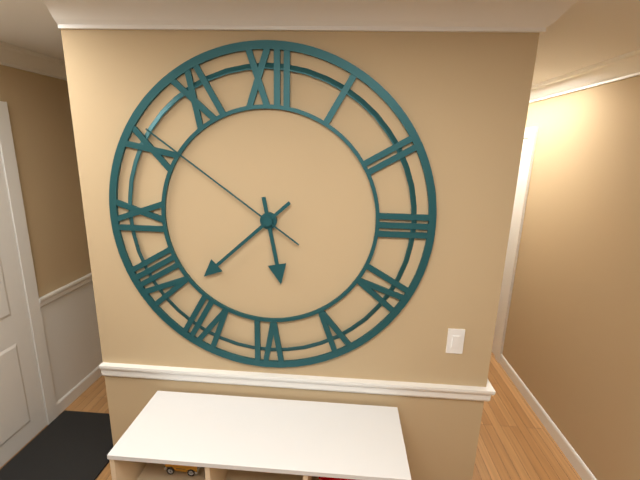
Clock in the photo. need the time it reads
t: 5:38:51
